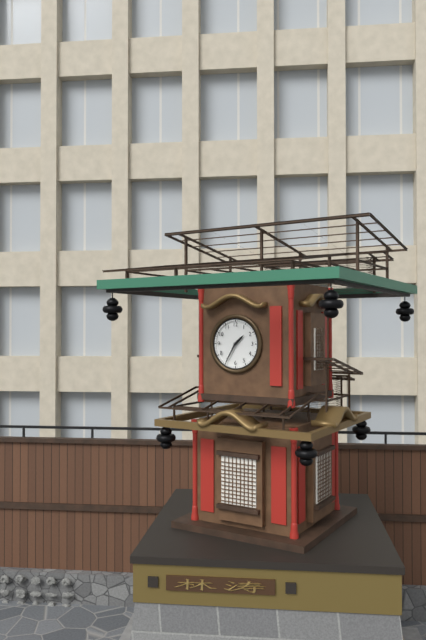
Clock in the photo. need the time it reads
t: 1:35
